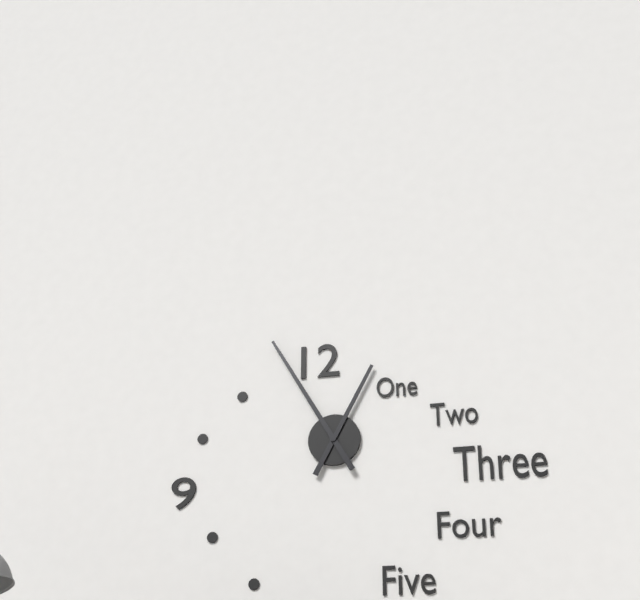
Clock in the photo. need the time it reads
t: 12:55
